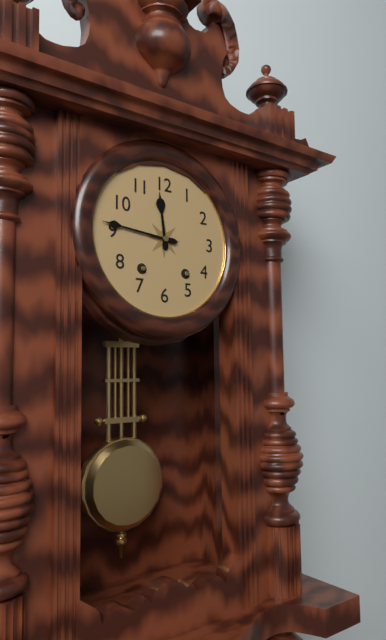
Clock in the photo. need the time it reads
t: 11:46
